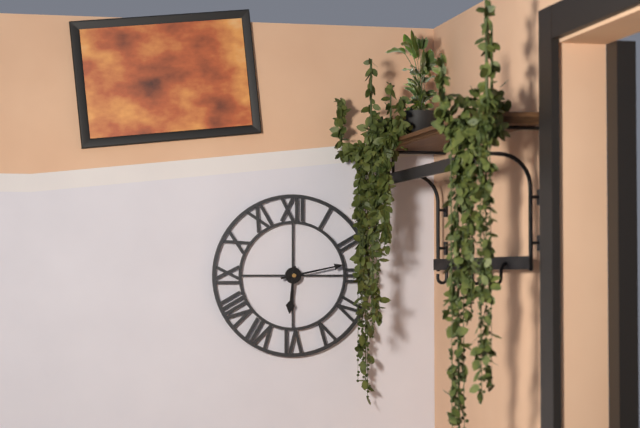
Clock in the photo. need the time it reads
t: 6:13
